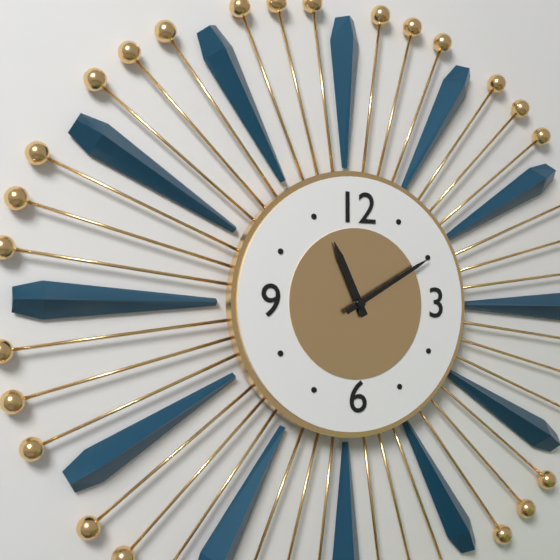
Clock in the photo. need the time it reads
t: 11:10
